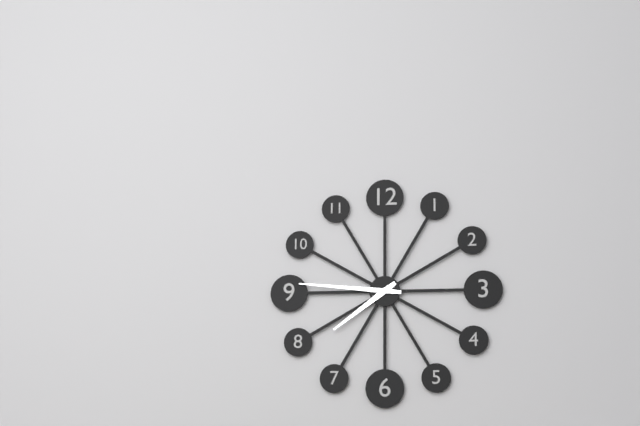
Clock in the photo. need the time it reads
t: 7:46
